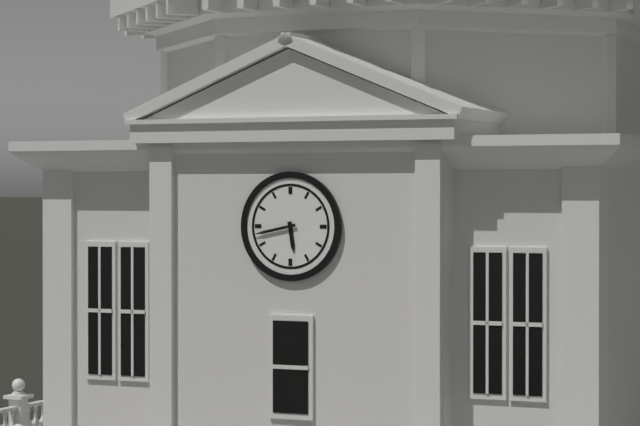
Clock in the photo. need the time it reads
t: 5:43
